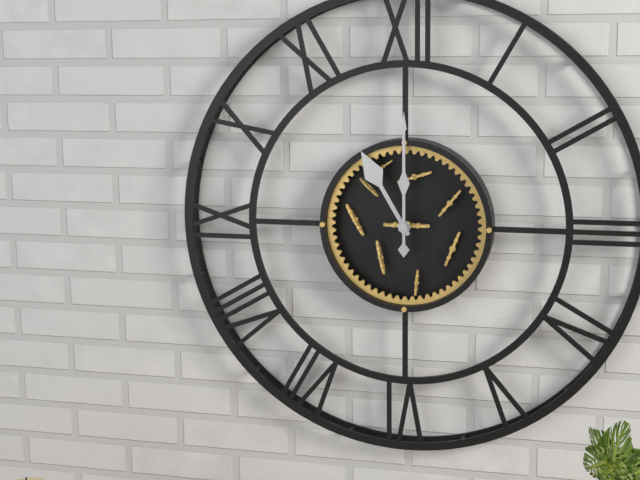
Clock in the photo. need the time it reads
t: 11:00
